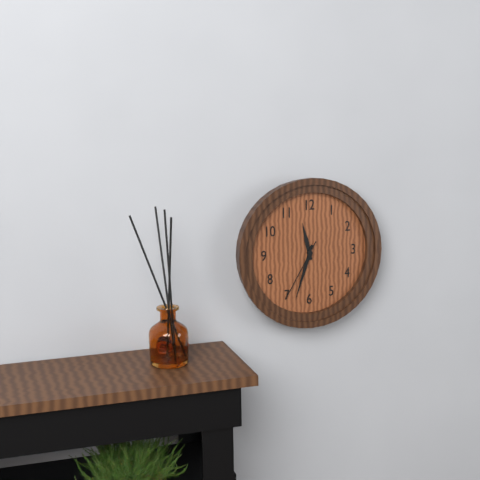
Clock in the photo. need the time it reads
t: 11:33:35
